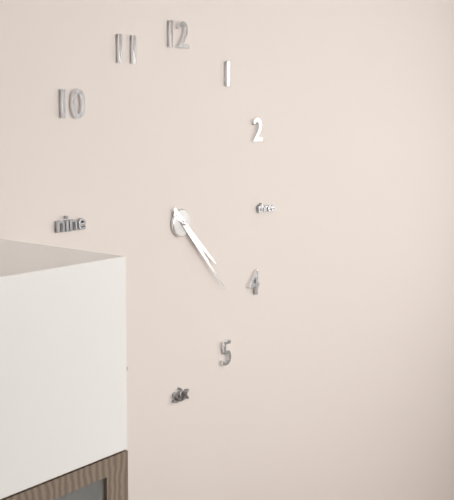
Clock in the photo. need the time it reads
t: 4:23
